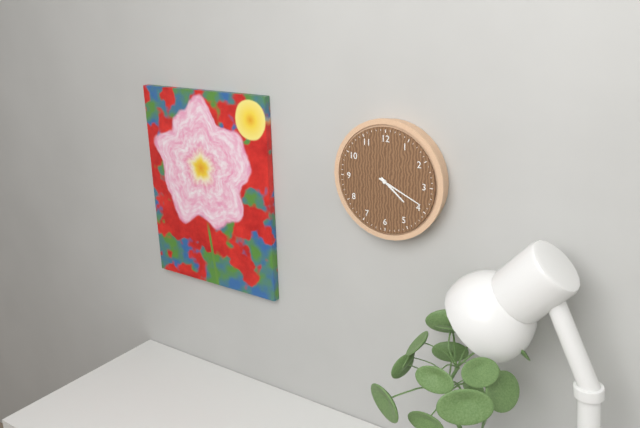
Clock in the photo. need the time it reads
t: 4:19
